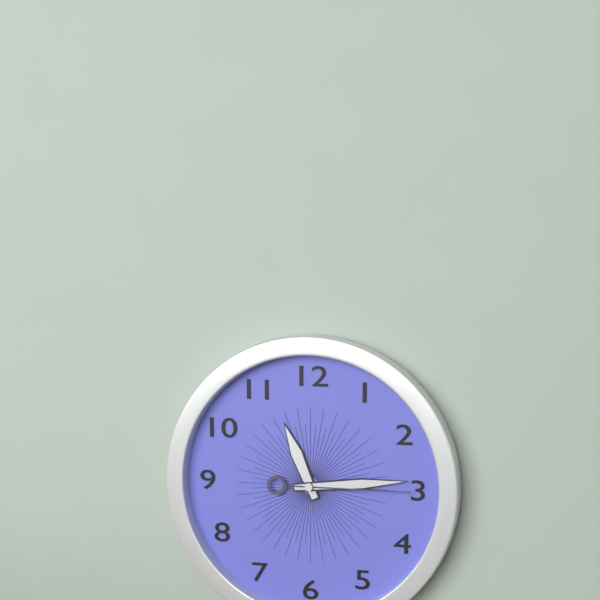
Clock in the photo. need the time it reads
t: 11:14:15
